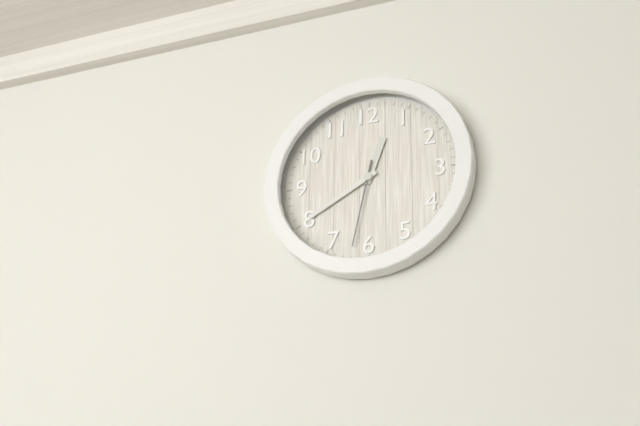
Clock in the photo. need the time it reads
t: 12:40:32
